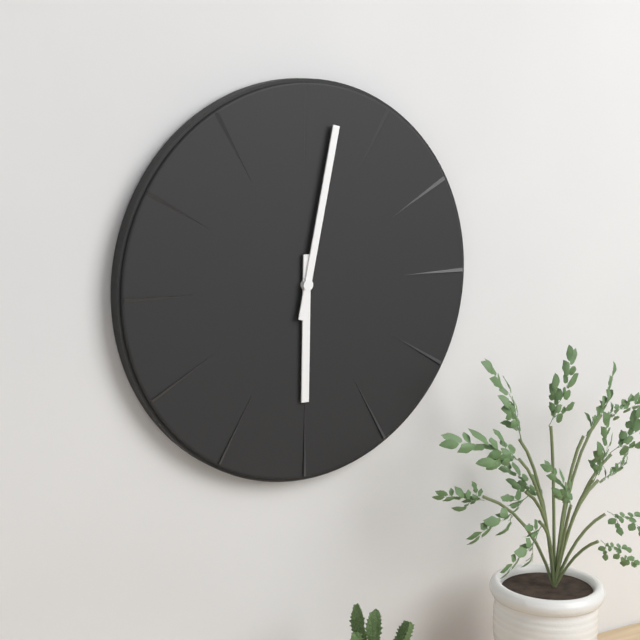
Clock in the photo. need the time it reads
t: 6:02
